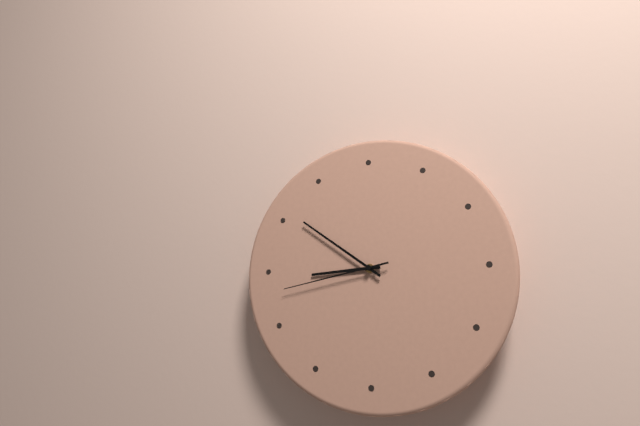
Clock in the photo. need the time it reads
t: 8:51:43
